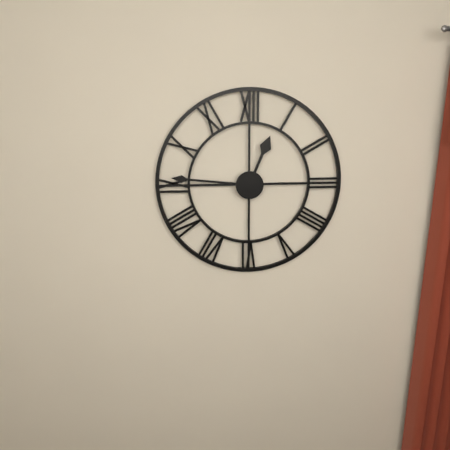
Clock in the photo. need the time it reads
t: 12:46
